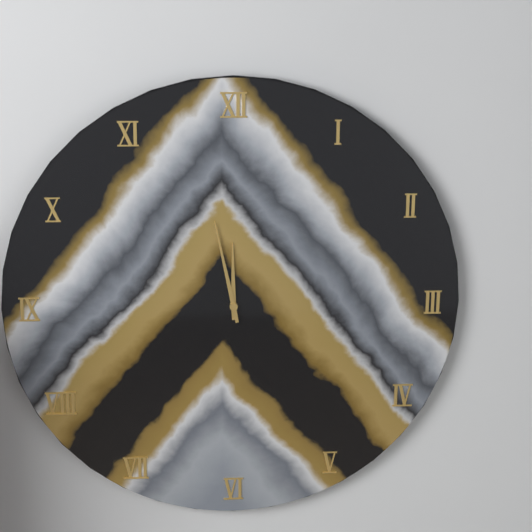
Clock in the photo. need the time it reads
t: 11:58
